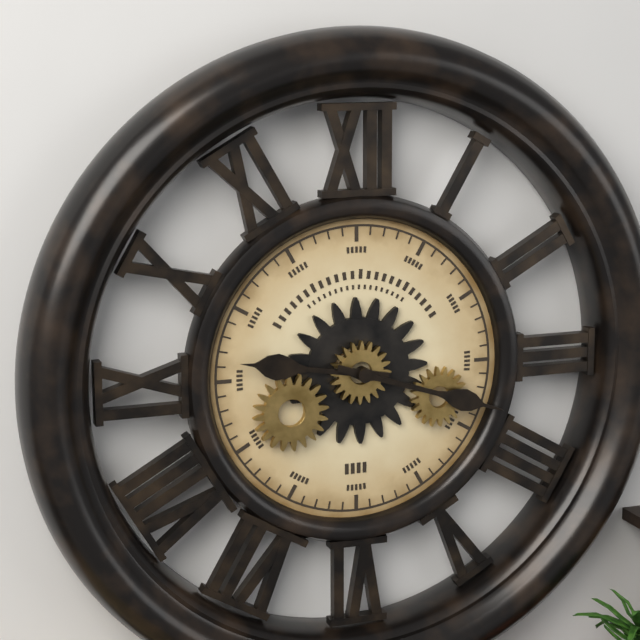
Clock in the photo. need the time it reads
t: 9:18
